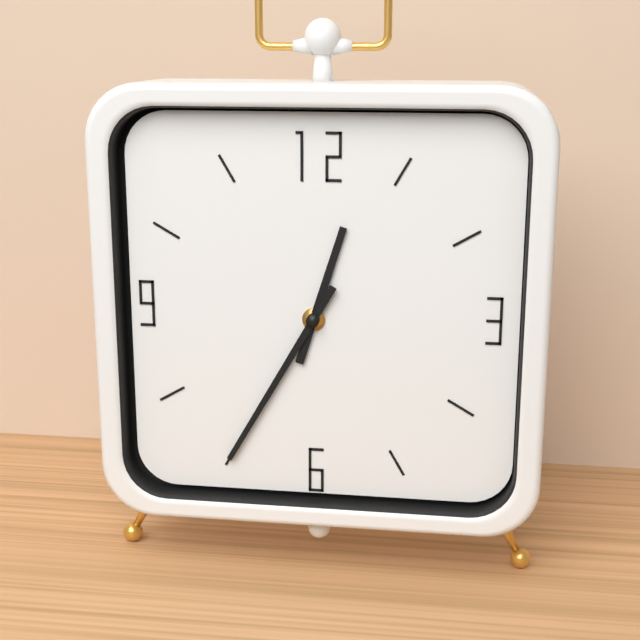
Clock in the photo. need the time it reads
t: 12:35
